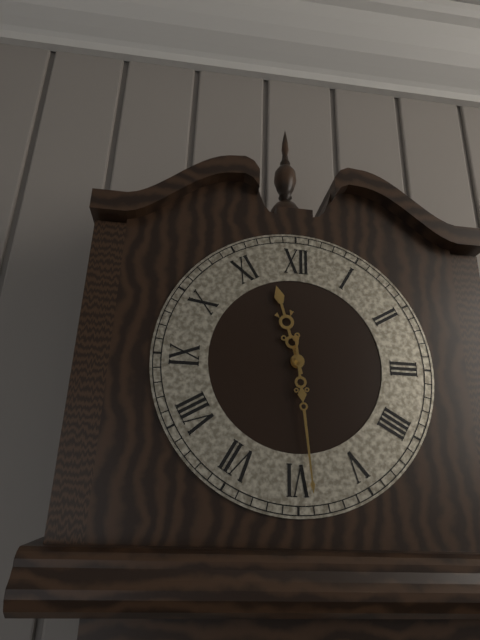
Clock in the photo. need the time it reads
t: 11:29
